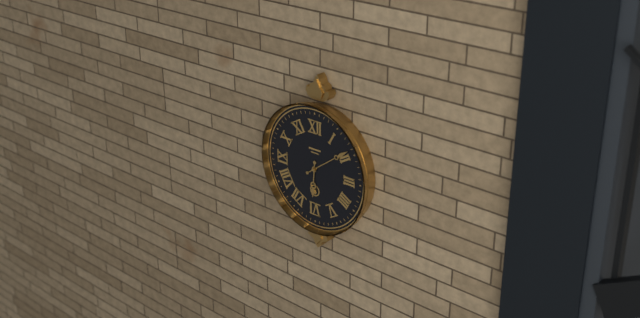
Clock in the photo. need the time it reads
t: 6:09
